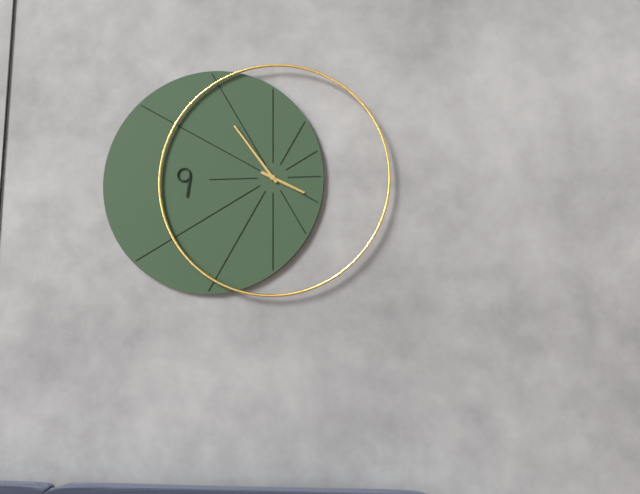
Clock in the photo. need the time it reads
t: 3:54
